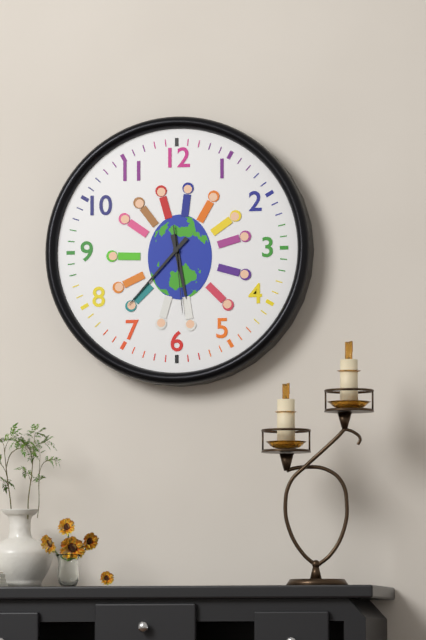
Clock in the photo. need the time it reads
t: 5:37:29
